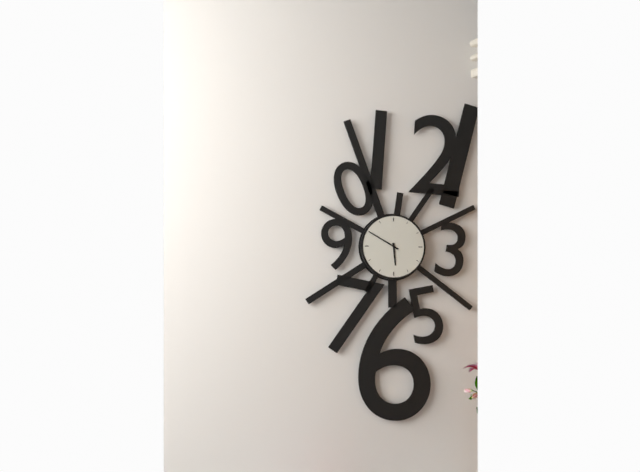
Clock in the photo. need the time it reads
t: 5:50
